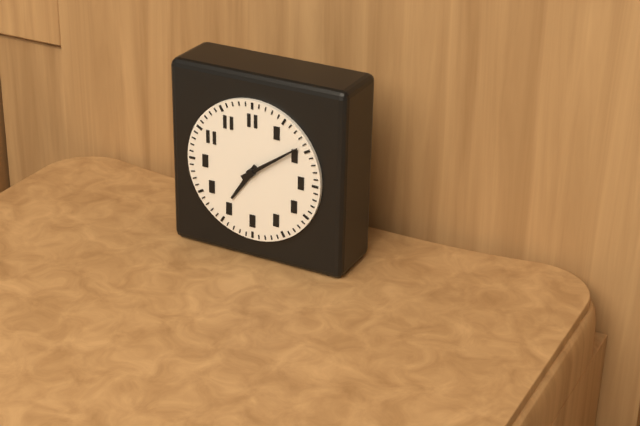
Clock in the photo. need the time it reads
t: 7:09
